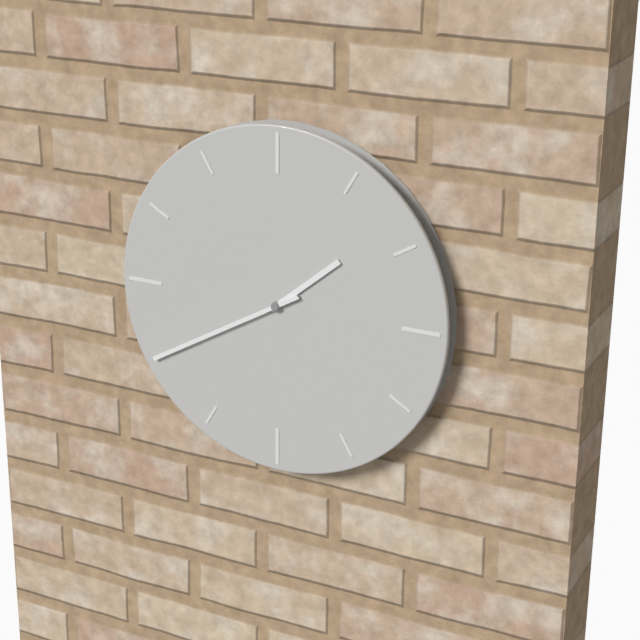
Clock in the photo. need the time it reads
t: 1:40
